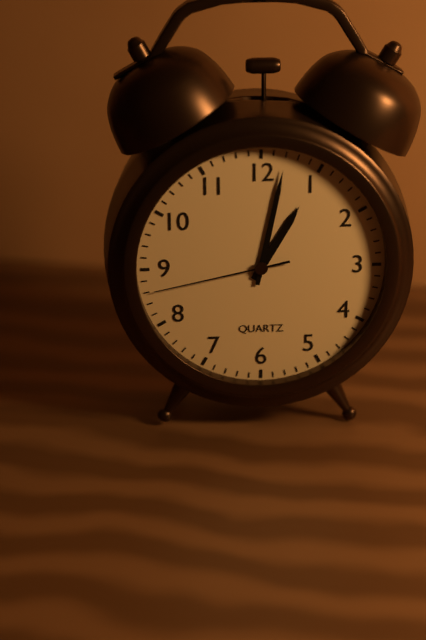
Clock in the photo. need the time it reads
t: 1:02:43
